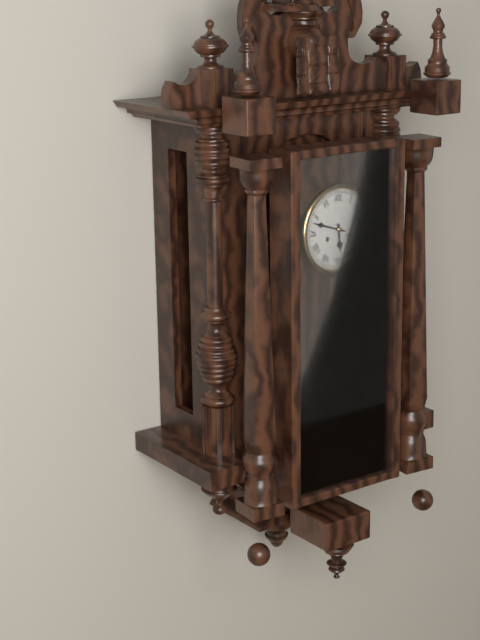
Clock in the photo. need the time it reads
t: 5:48
